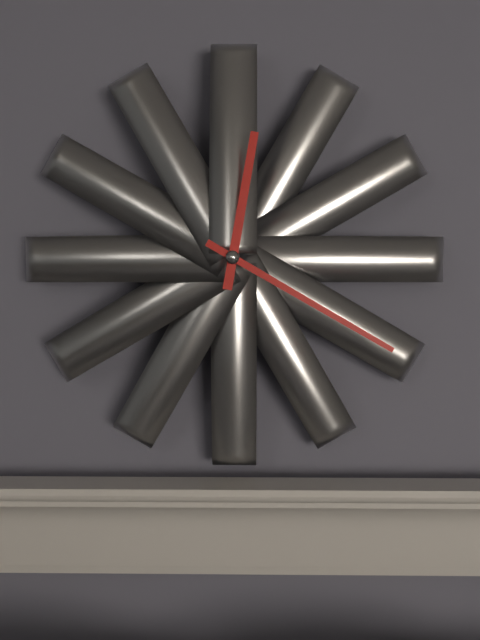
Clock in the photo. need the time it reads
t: 12:20
